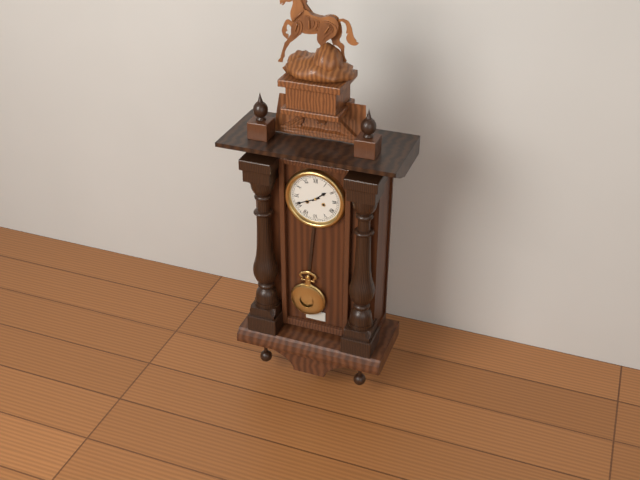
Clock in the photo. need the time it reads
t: 1:41
